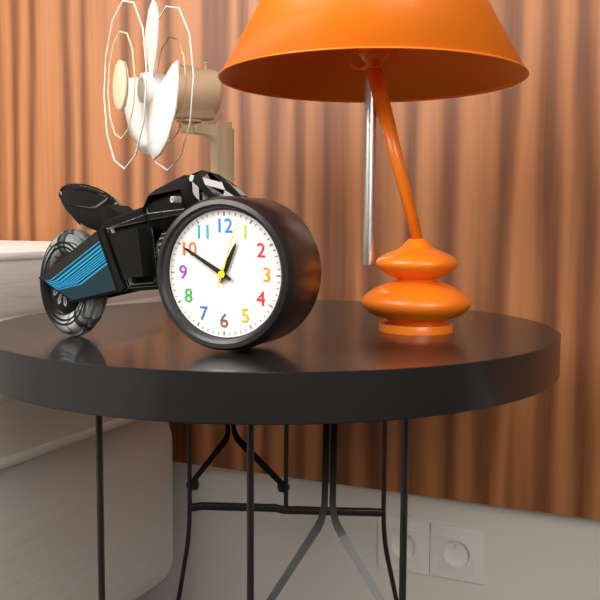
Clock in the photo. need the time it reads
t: 12:50:03
